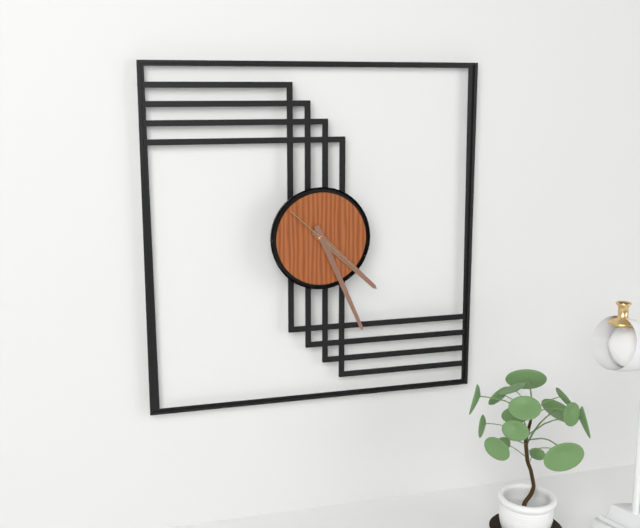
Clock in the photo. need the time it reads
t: 4:26:22
